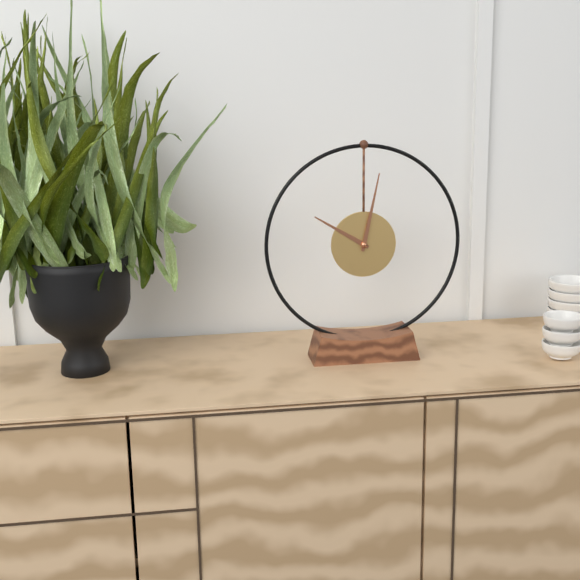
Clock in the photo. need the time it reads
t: 10:02
